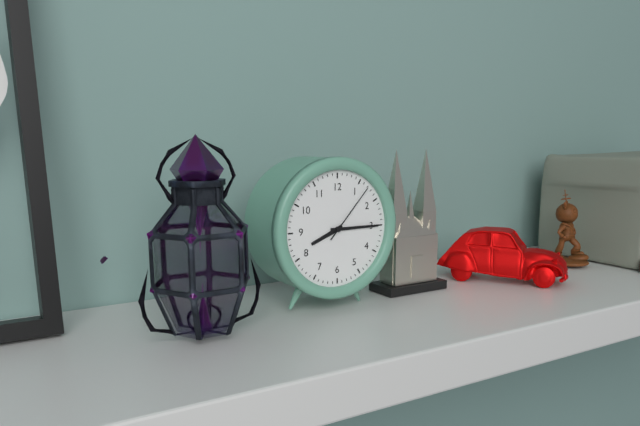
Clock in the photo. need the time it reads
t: 8:15:07
